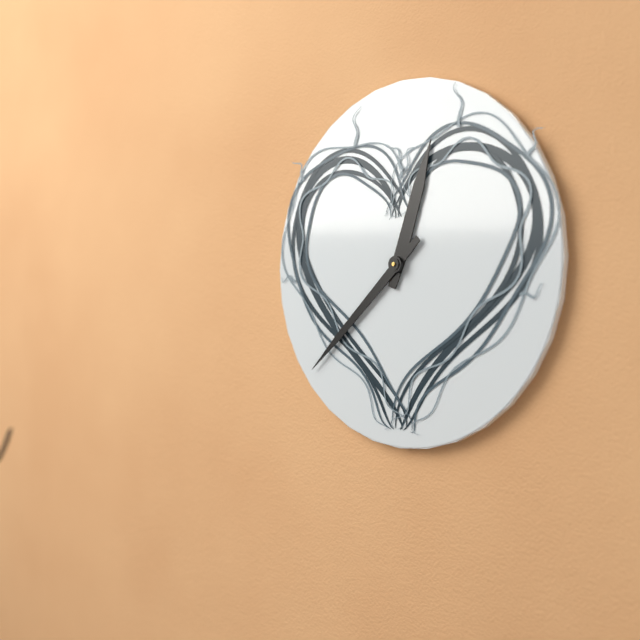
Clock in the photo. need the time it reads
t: 12:38
